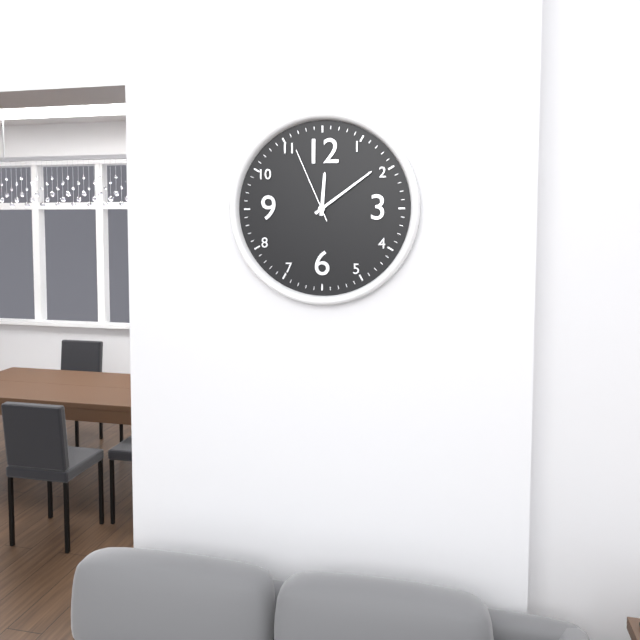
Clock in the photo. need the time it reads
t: 12:09:56
